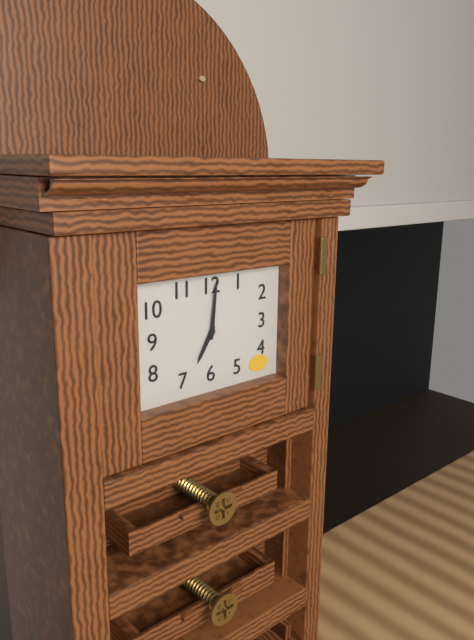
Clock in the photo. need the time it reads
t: 7:01
